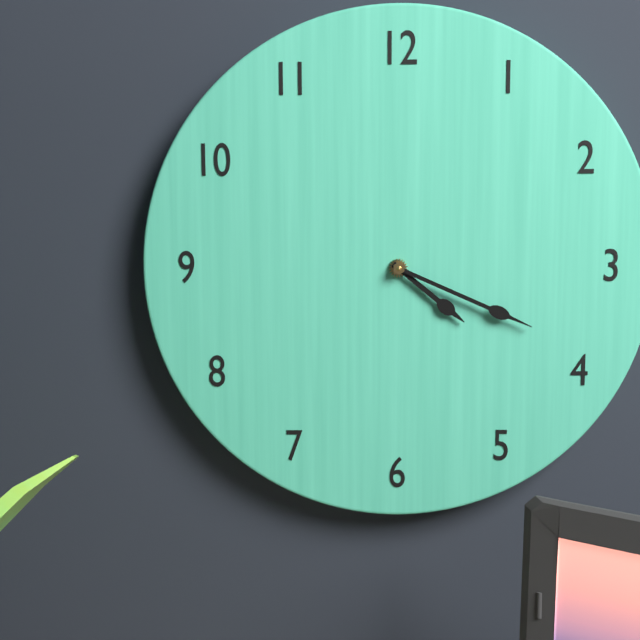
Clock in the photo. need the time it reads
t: 4:19
